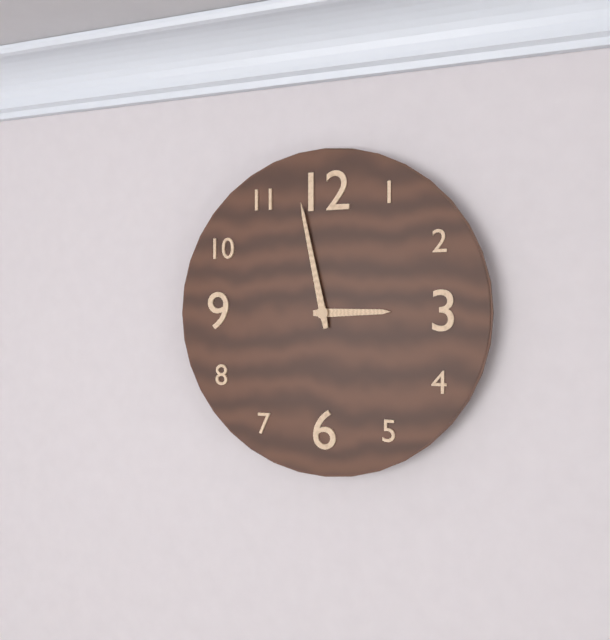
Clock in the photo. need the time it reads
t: 2:58
